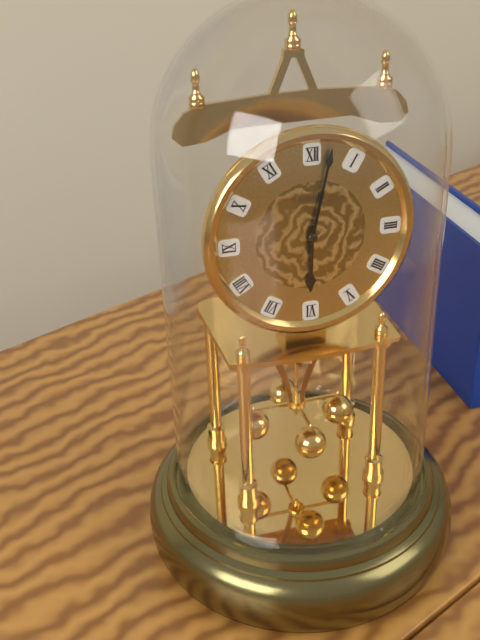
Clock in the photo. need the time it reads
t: 6:02
